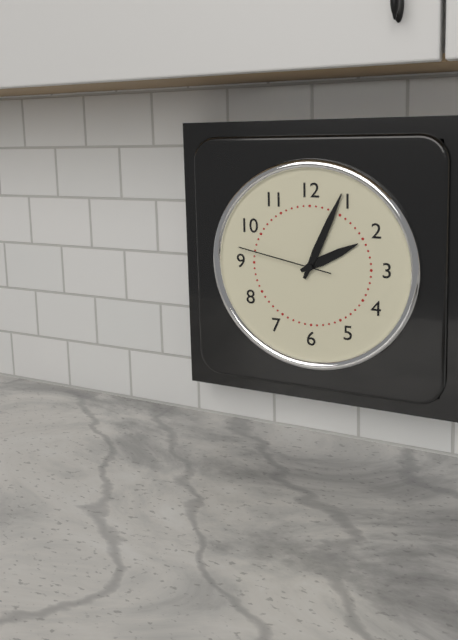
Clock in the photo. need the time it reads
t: 2:04:47
